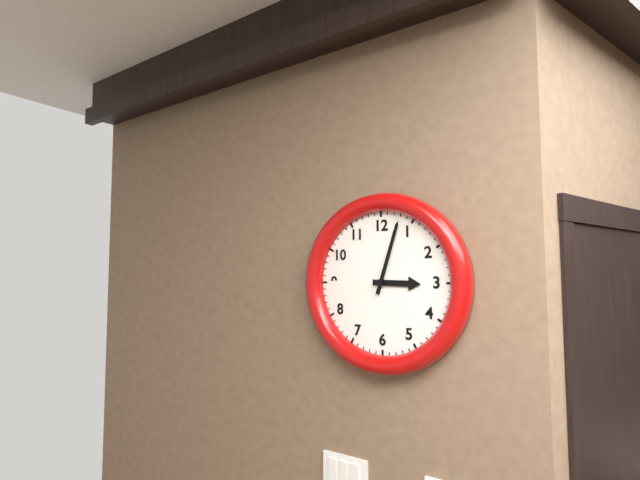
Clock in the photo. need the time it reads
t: 3:03
